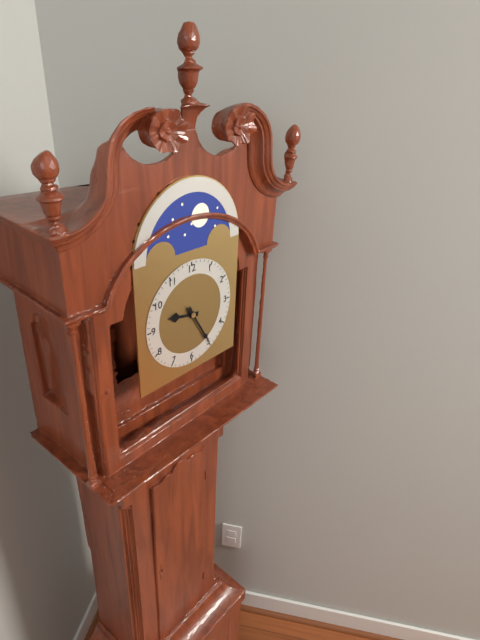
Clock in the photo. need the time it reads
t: 9:25
